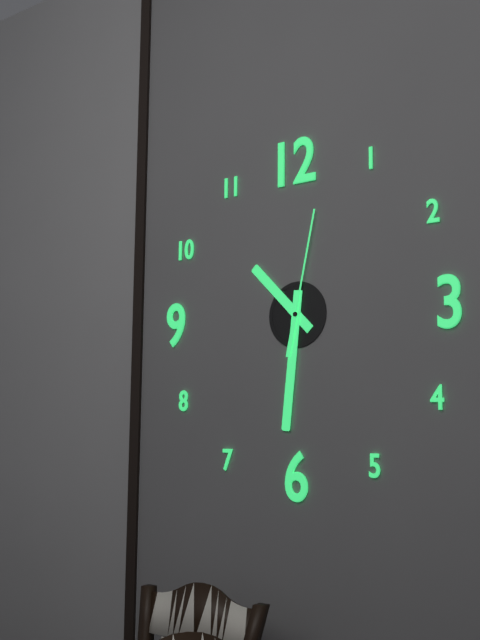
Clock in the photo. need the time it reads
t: 10:31:02
